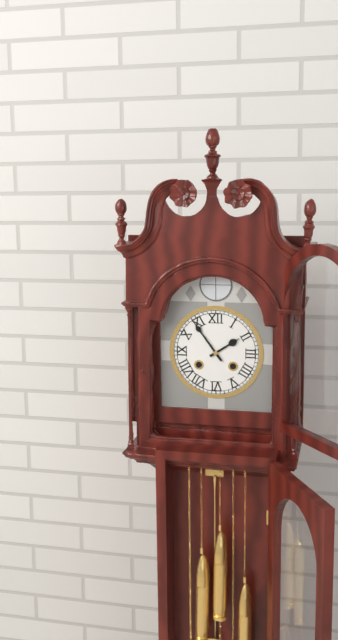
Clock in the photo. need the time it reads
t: 1:54
